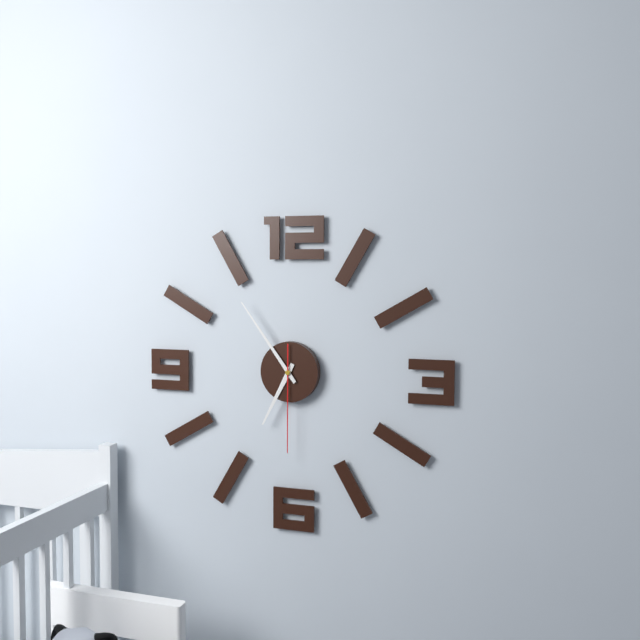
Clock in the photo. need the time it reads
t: 6:54:30
